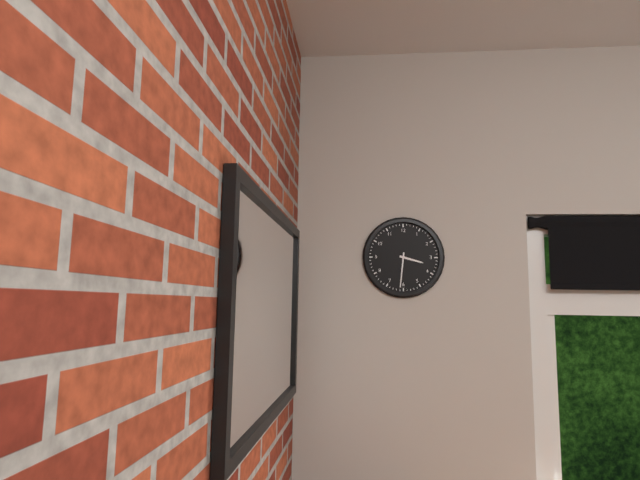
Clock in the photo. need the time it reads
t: 3:31
